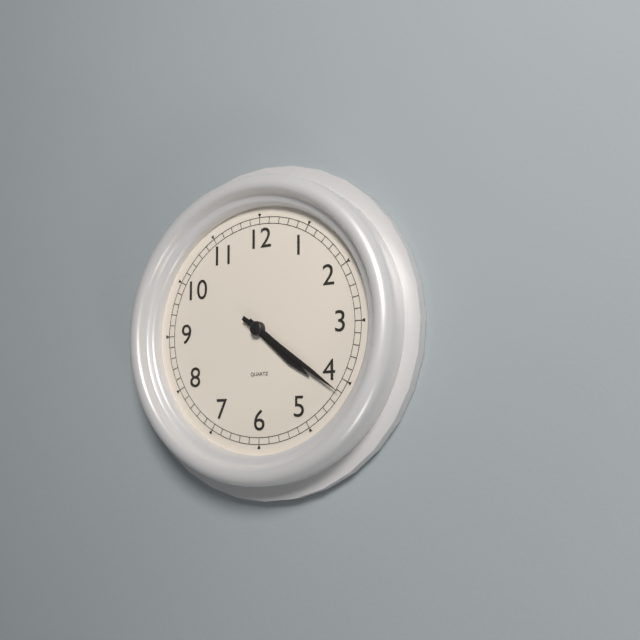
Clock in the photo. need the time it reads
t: 4:21
